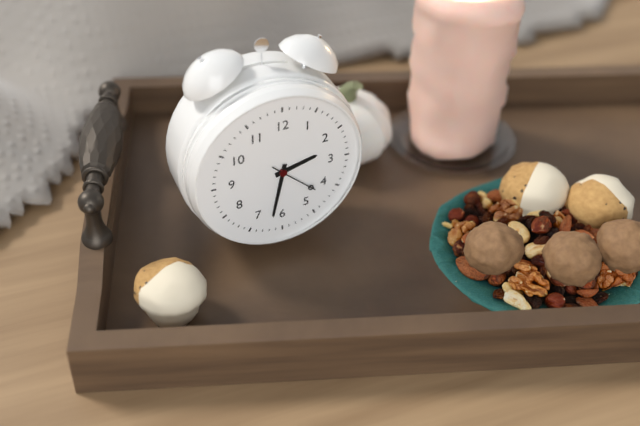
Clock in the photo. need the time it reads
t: 2:32
